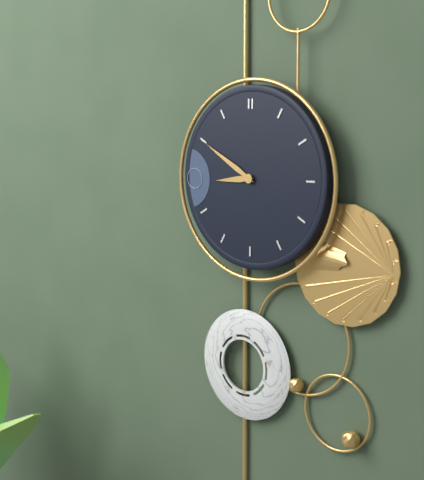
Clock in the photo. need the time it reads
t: 8:50
